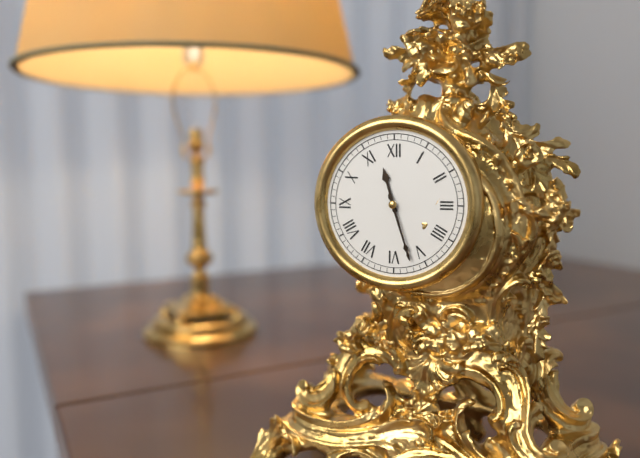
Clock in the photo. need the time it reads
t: 11:27
